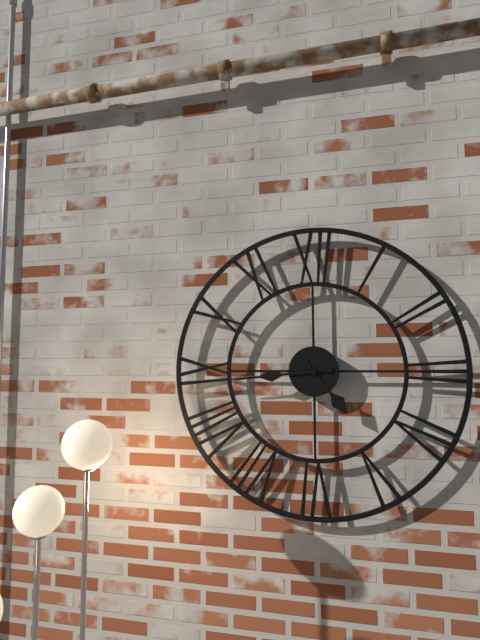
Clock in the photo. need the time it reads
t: 4:44
